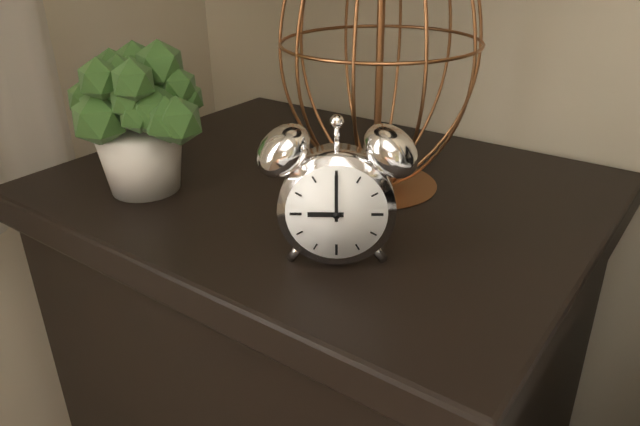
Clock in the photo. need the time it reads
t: 9:00
